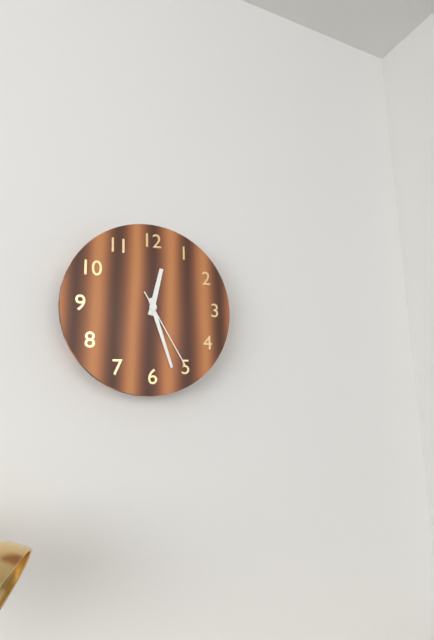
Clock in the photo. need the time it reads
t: 12:27:25
